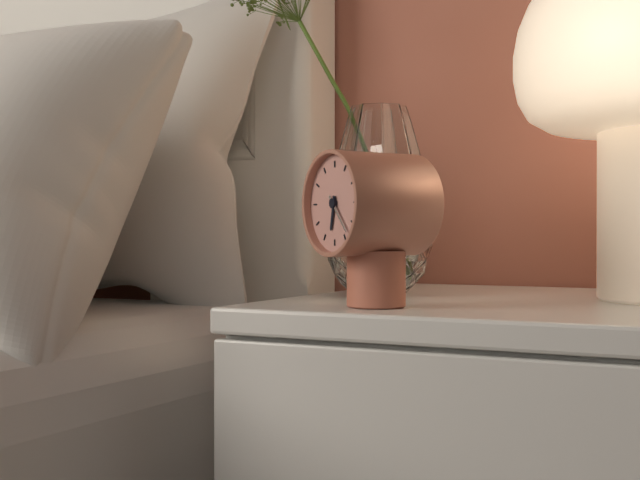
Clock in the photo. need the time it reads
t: 6:23
